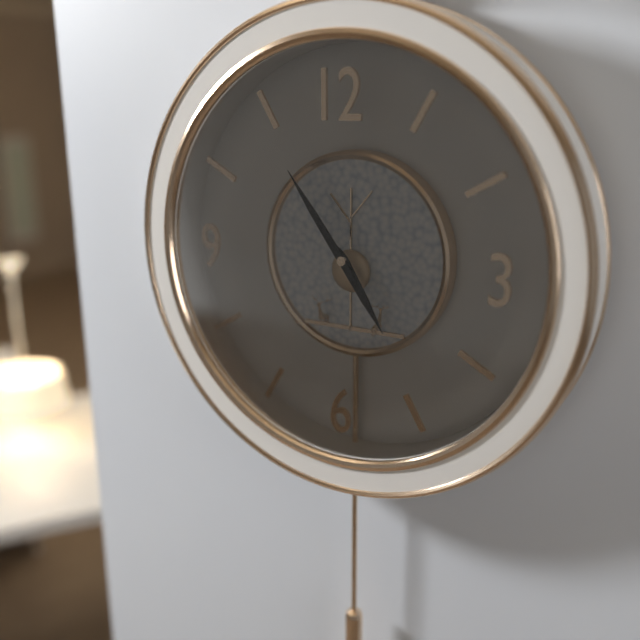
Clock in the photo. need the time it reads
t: 4:54
